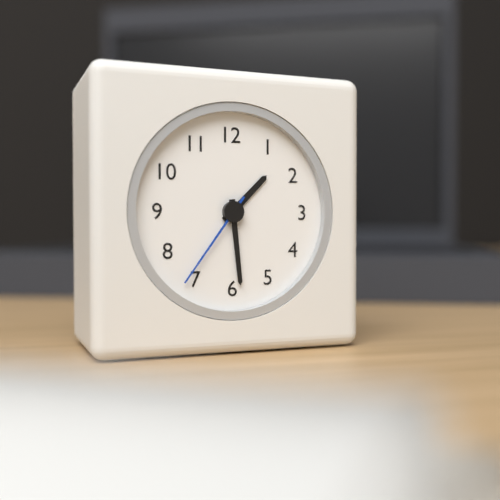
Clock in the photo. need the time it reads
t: 1:29:36
